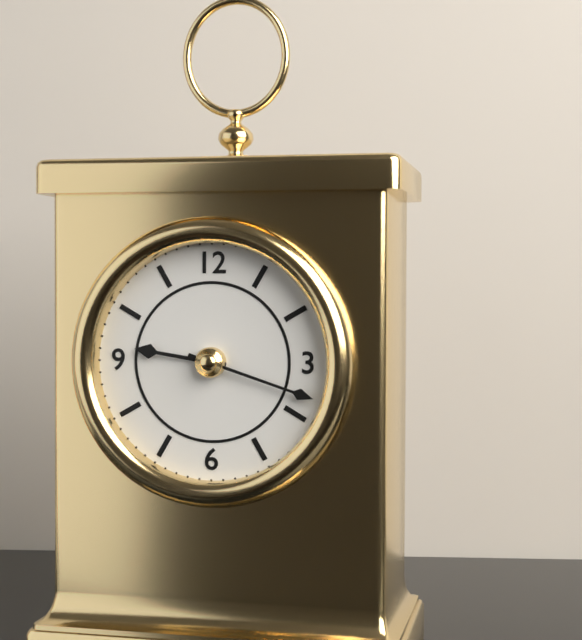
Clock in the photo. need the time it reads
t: 9:18
